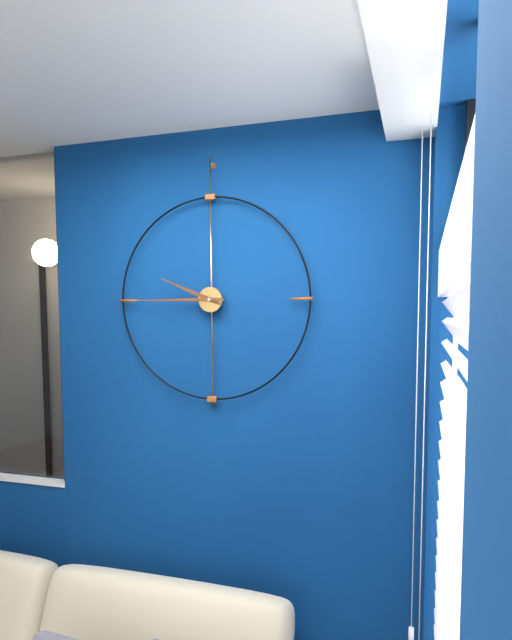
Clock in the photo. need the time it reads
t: 9:45
